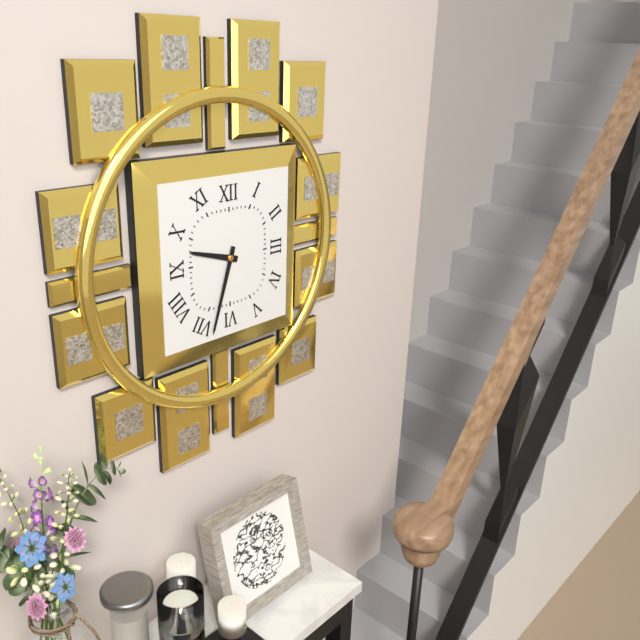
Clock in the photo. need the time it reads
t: 9:33
